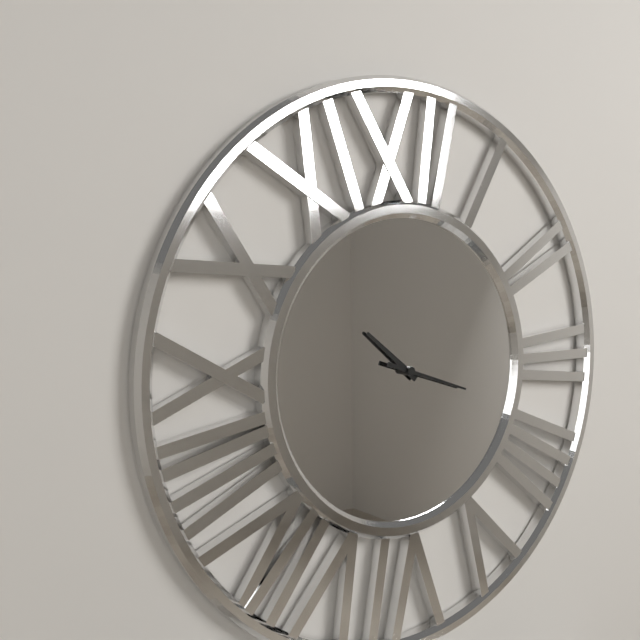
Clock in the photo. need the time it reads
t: 10:18
